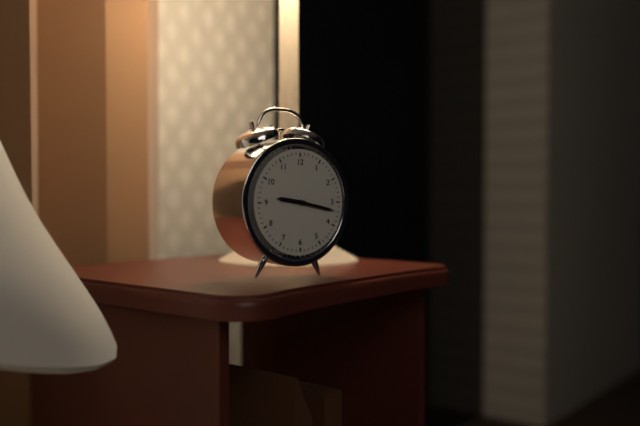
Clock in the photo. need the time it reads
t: 9:17
